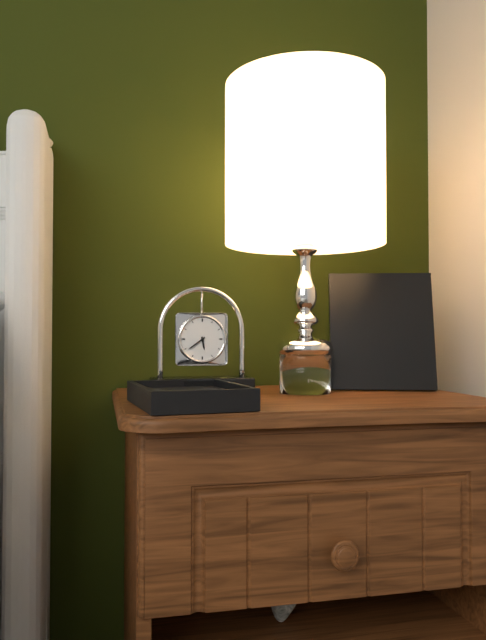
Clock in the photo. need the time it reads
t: 5:39
